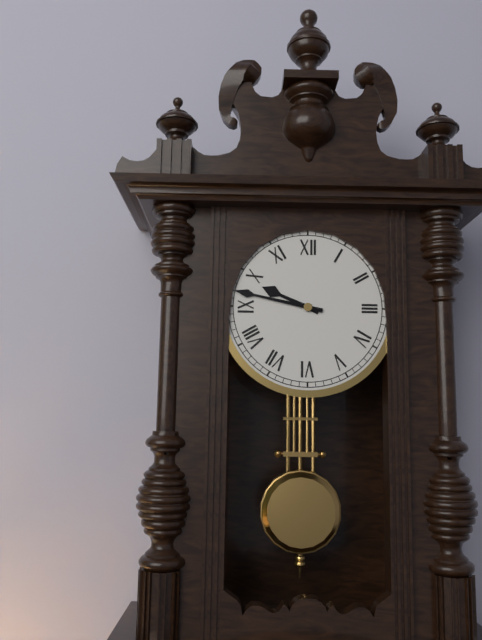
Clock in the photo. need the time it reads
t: 9:47
